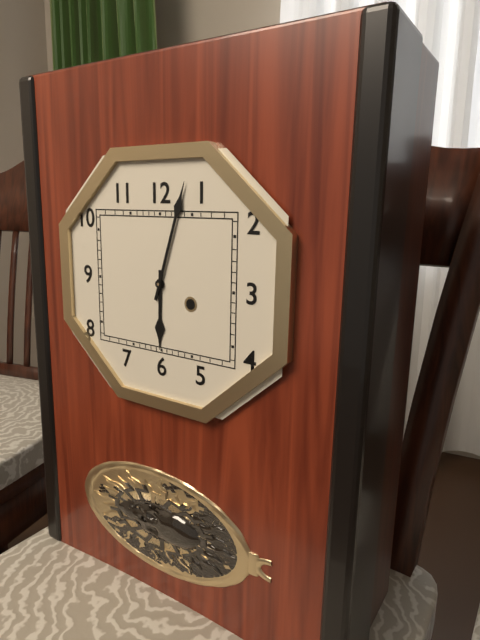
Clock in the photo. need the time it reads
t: 6:03
